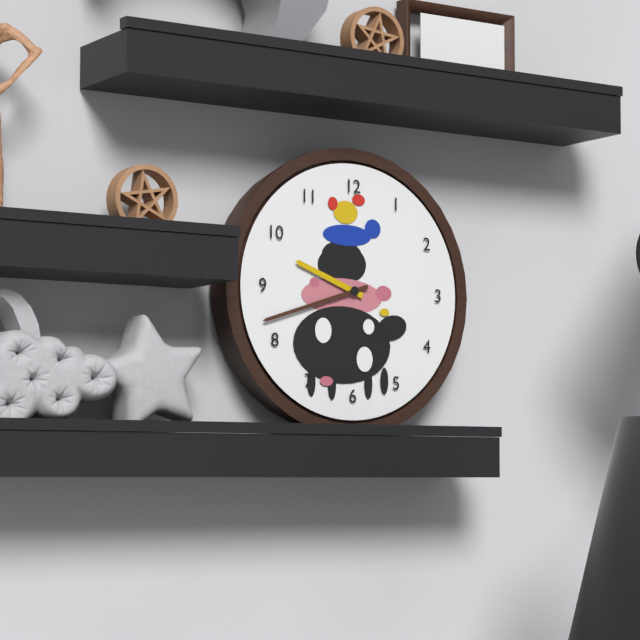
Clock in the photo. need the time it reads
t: 9:42
